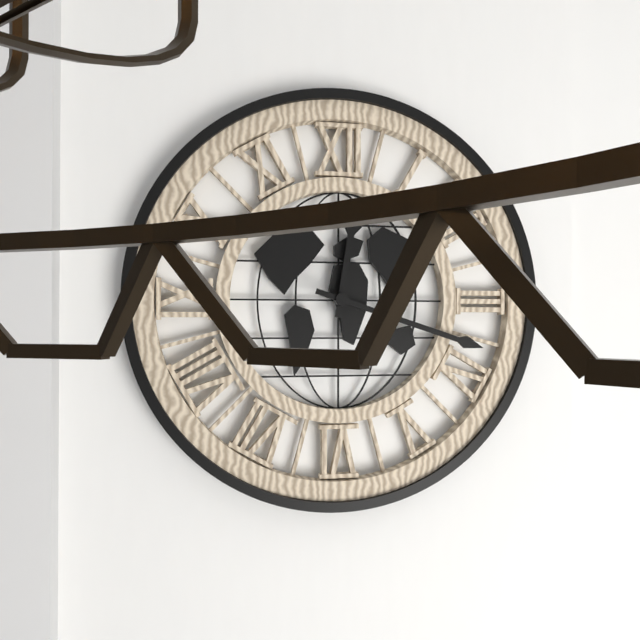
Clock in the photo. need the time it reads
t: 12:18
